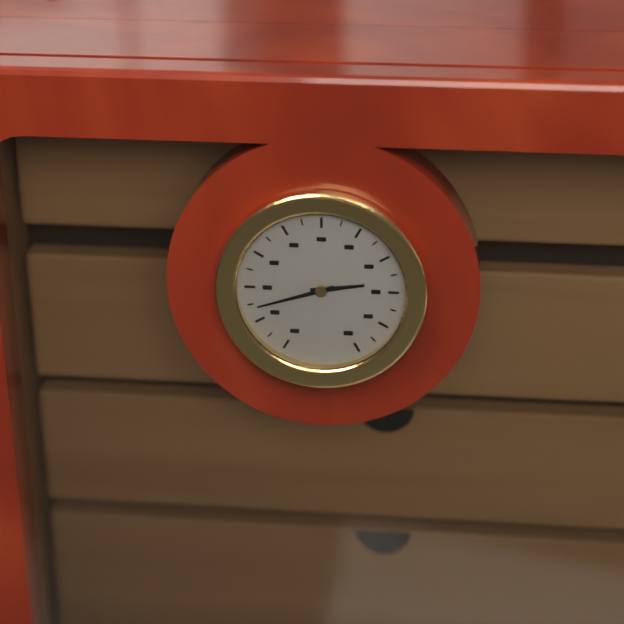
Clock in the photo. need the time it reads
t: 2:42
